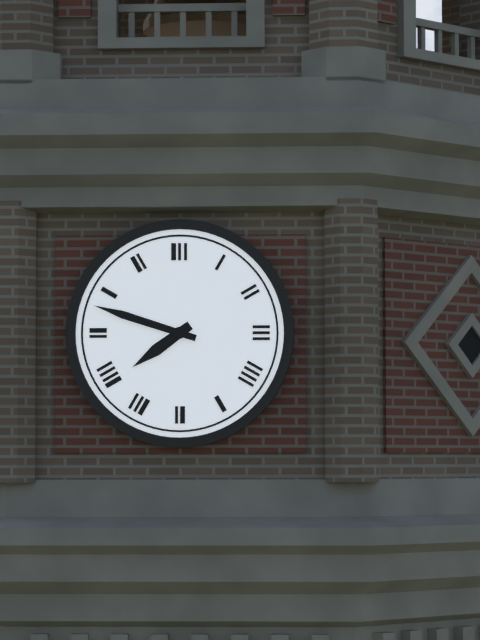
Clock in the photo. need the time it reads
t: 7:48
